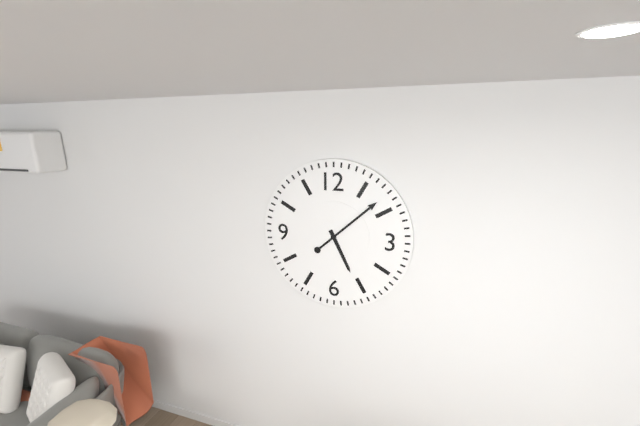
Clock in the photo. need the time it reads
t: 5:08
